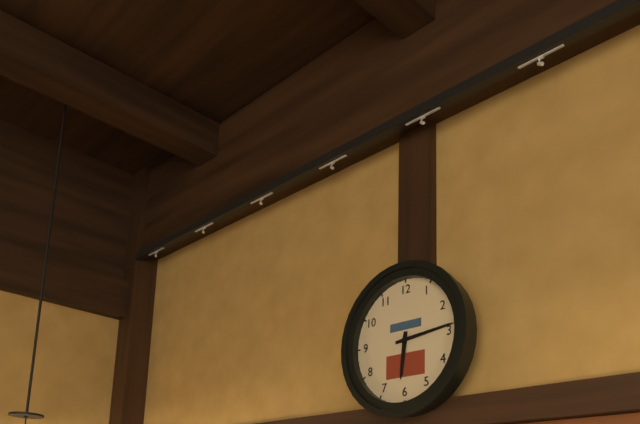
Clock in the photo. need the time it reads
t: 6:14
